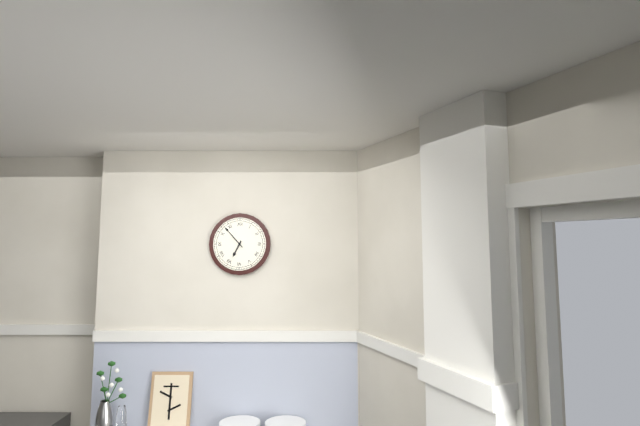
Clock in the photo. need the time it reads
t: 6:53
